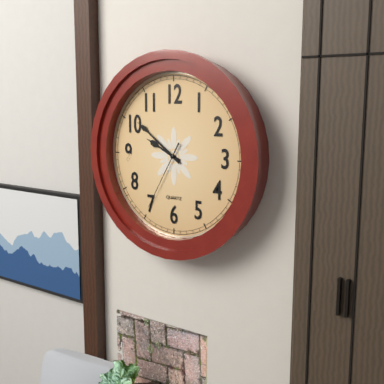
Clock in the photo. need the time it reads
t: 9:51:35
